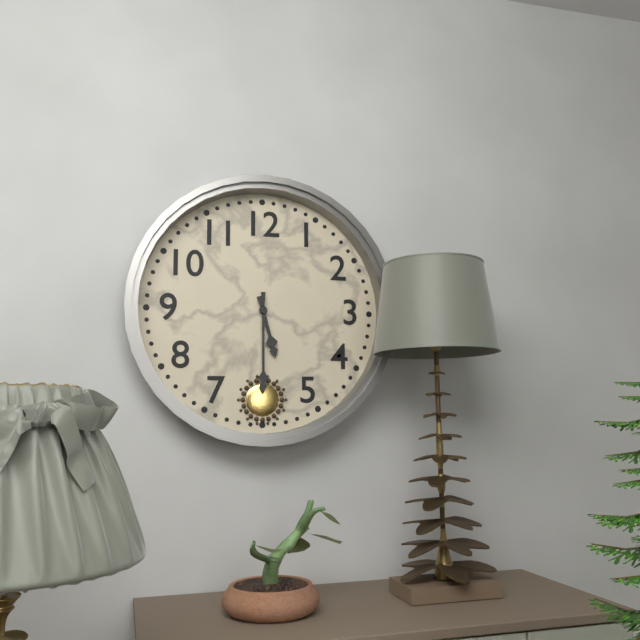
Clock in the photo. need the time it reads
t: 5:30
